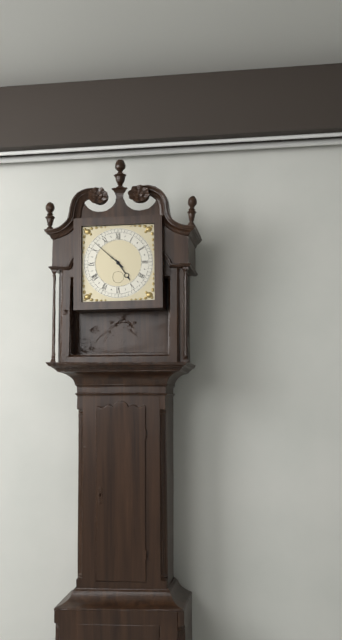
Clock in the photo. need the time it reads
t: 4:52
